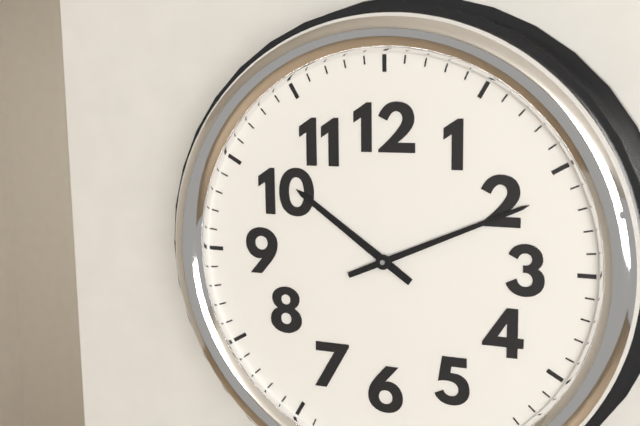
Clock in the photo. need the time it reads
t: 10:11
